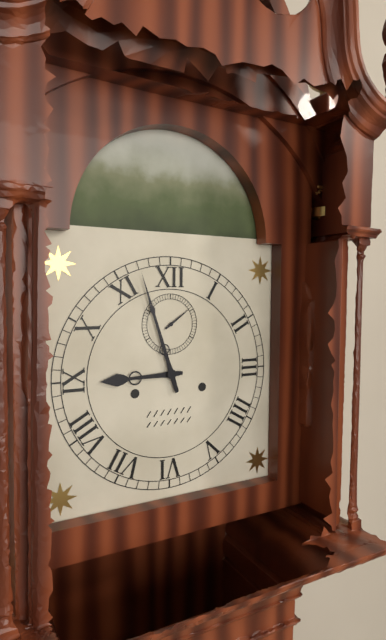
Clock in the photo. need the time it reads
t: 8:57
